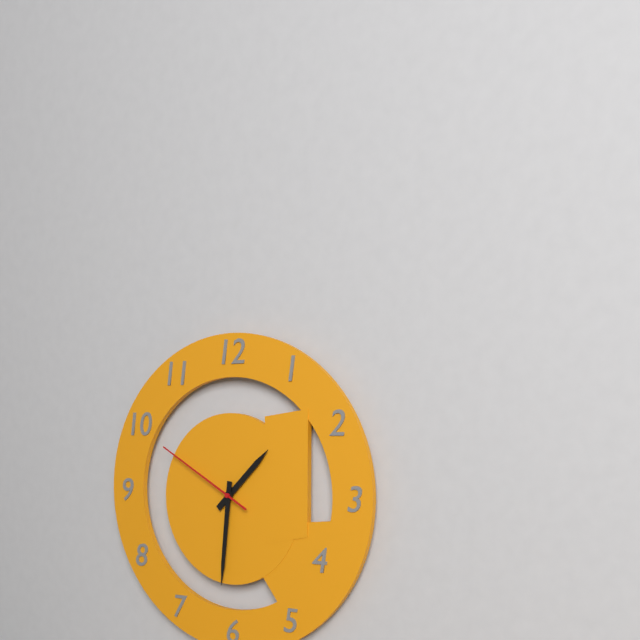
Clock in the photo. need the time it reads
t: 1:31:50
